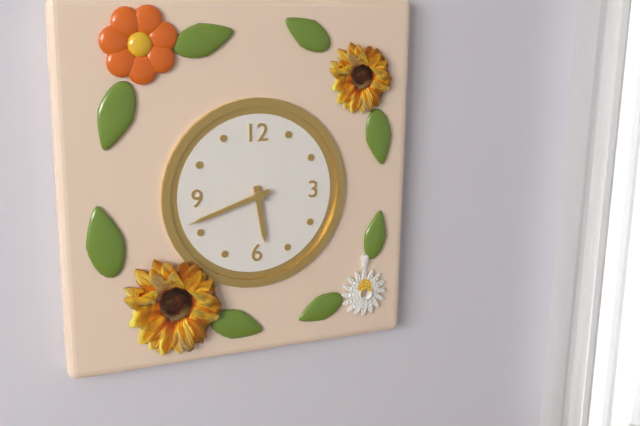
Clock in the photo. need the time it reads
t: 5:42
